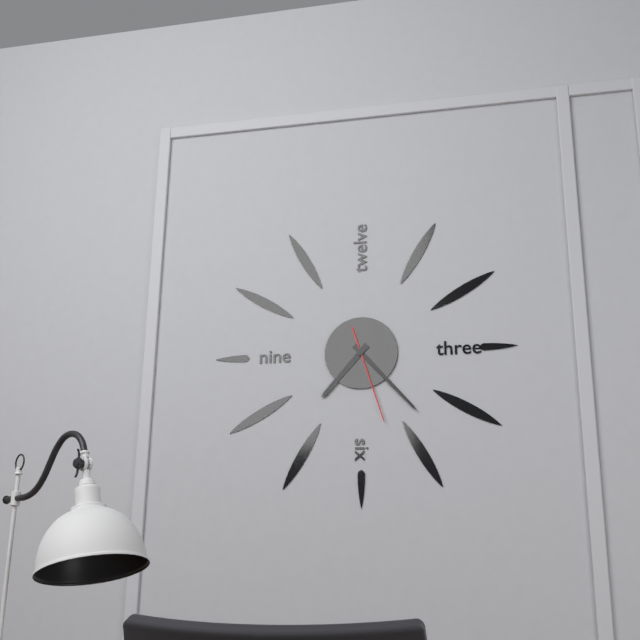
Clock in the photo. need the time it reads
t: 7:23:27
